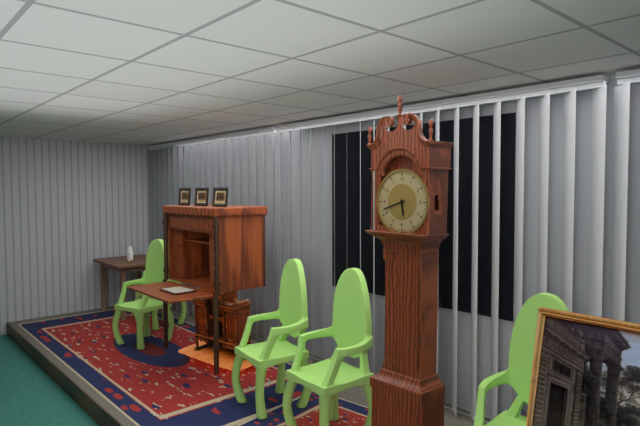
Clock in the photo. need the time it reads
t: 5:42
